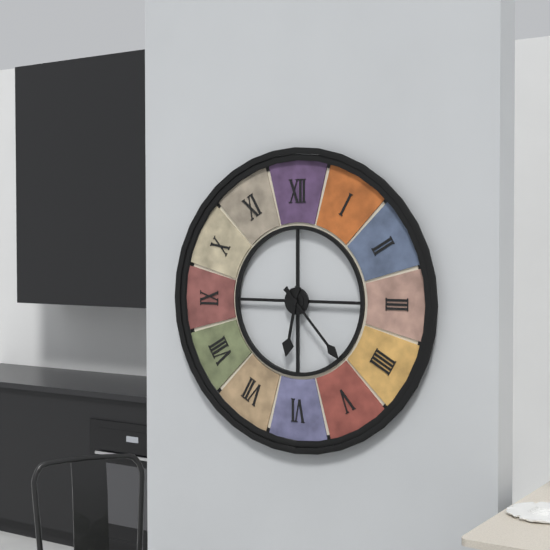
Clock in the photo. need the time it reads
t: 6:23
